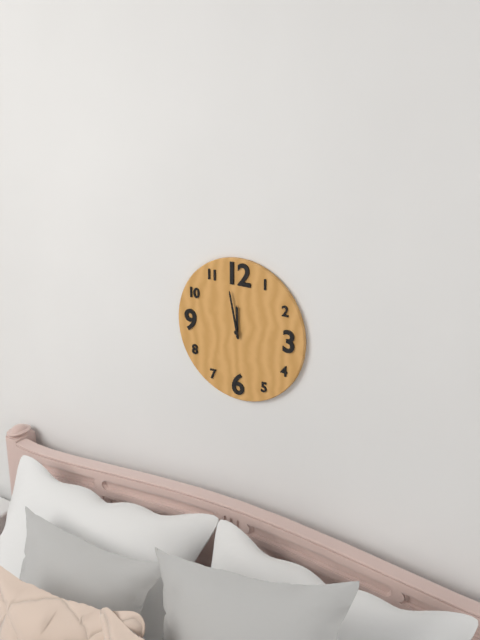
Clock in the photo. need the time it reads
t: 11:58
